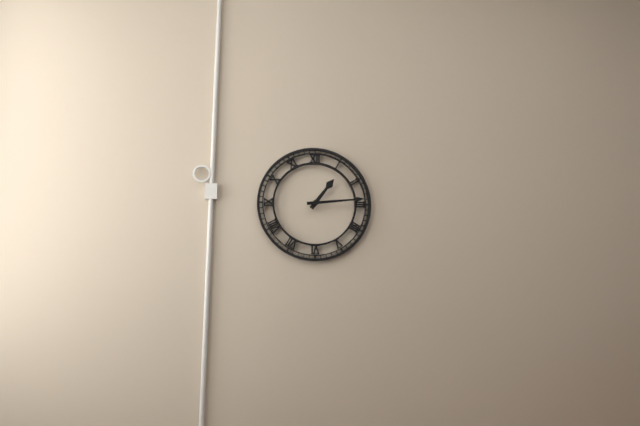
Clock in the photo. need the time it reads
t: 1:14
